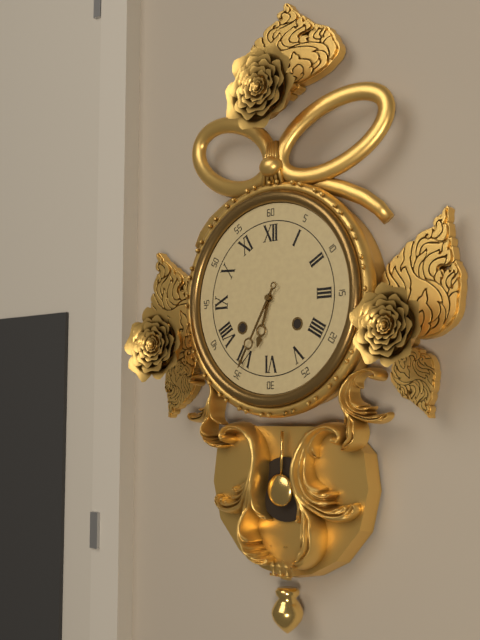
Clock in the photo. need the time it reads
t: 6:35
